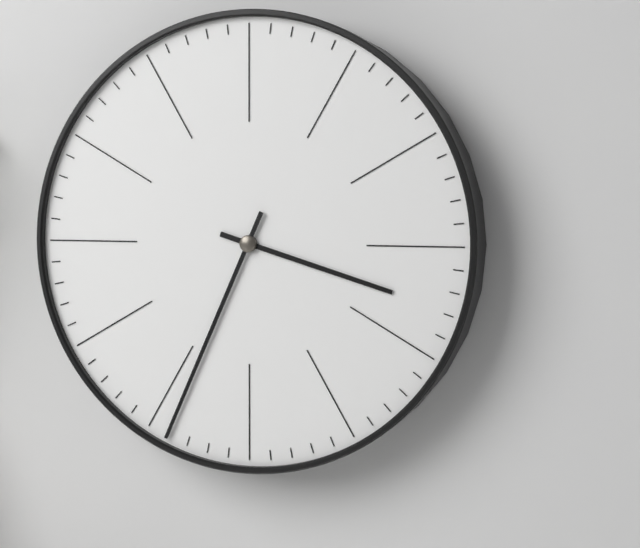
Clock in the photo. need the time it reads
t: 3:34
